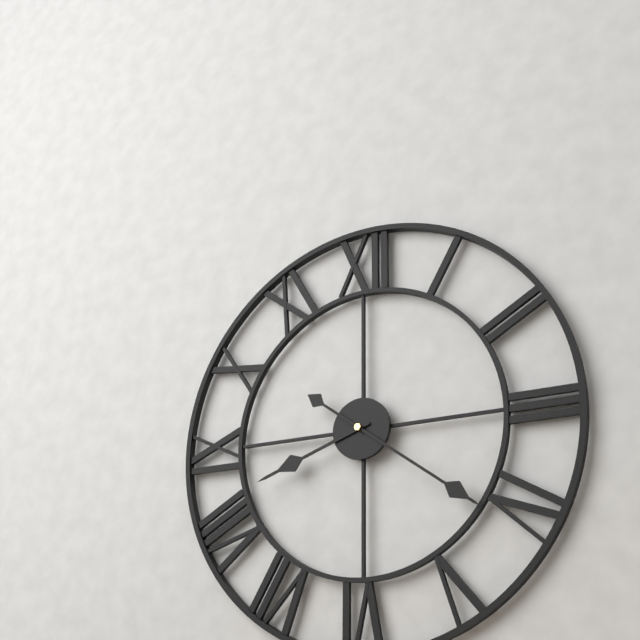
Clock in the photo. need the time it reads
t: 8:21
